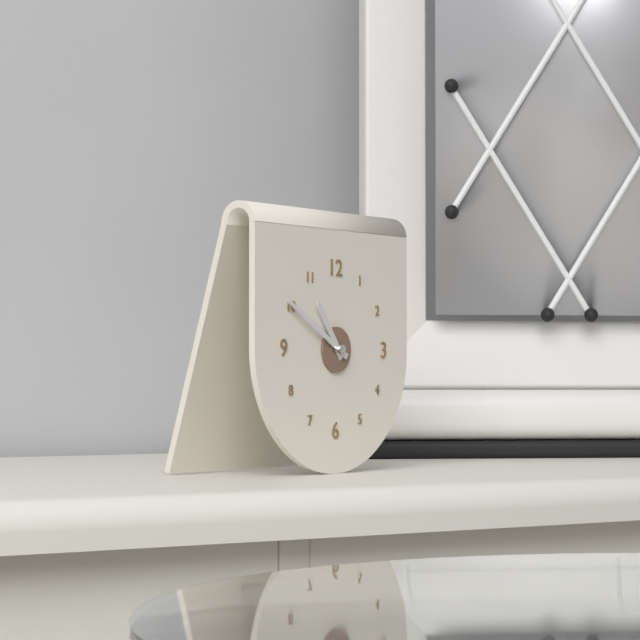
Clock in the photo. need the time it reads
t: 10:50
